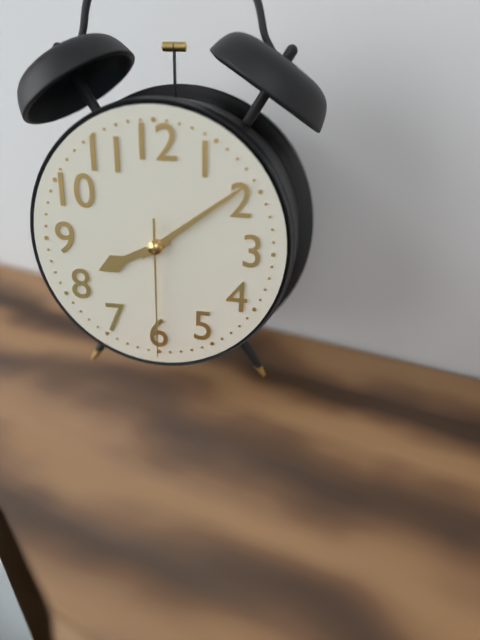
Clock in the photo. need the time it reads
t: 8:09:30
